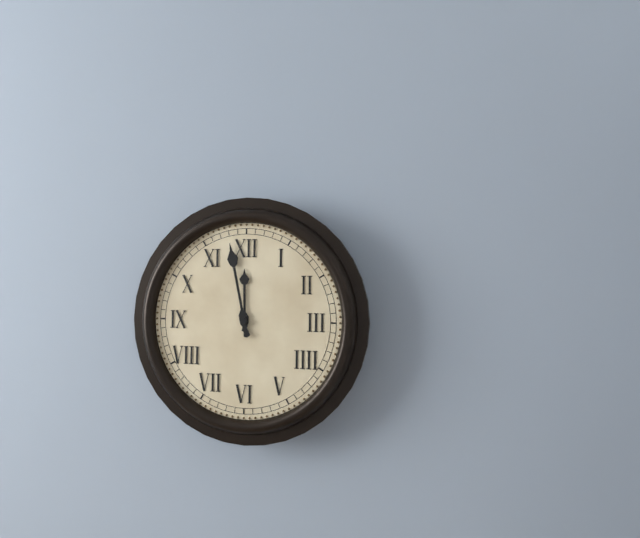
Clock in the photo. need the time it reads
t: 11:58
